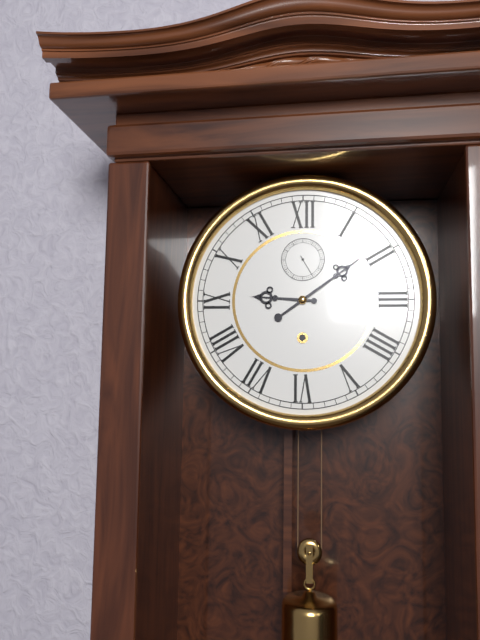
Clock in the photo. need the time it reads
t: 9:09
